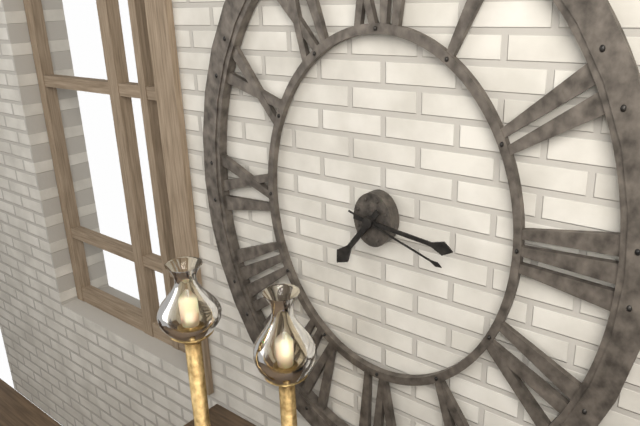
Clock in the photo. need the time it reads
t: 7:16:18
